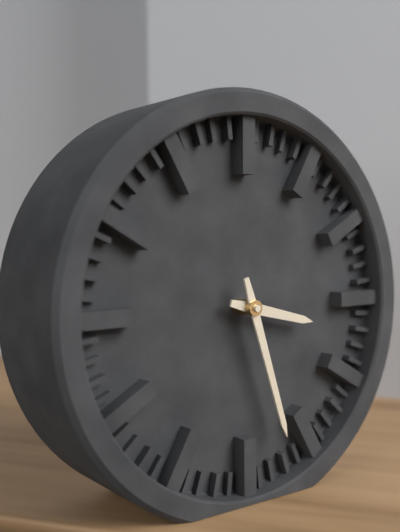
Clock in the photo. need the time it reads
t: 3:27
